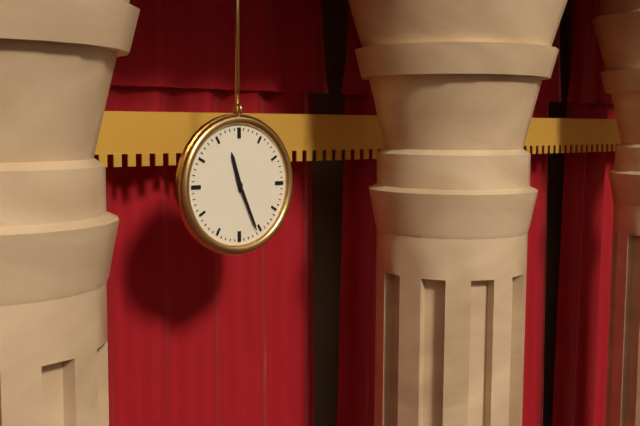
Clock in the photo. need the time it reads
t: 11:26
